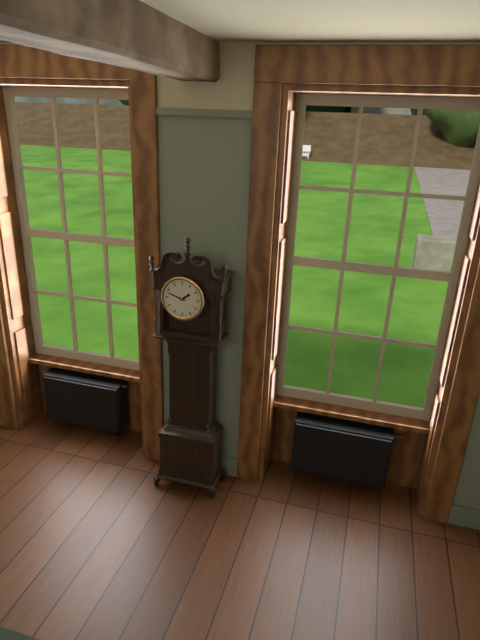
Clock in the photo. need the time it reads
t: 1:48
